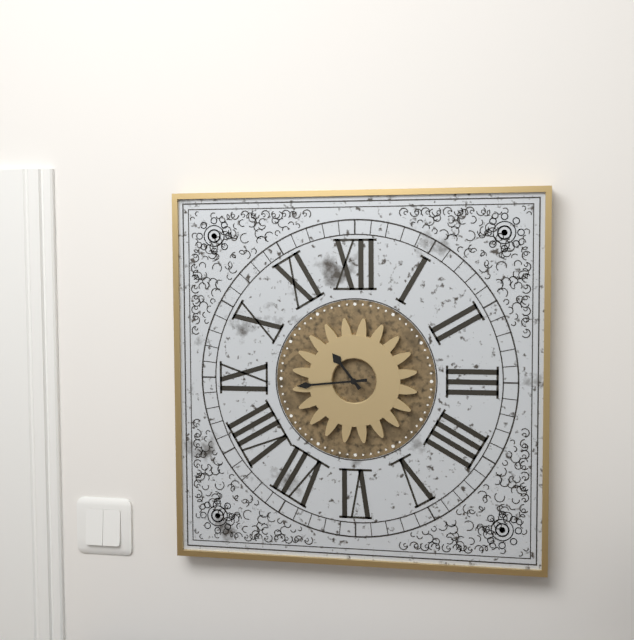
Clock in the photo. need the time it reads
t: 10:44
